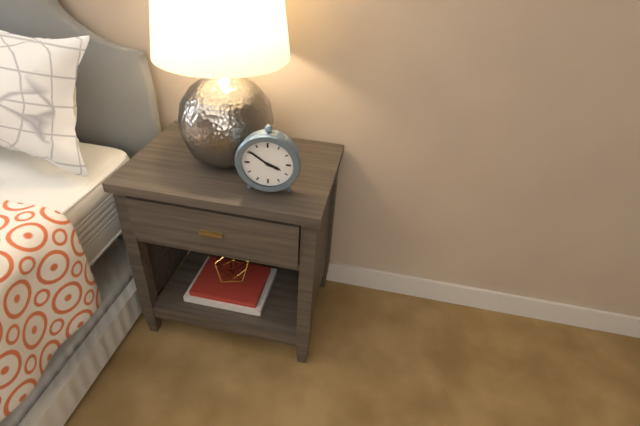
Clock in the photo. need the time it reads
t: 3:51
